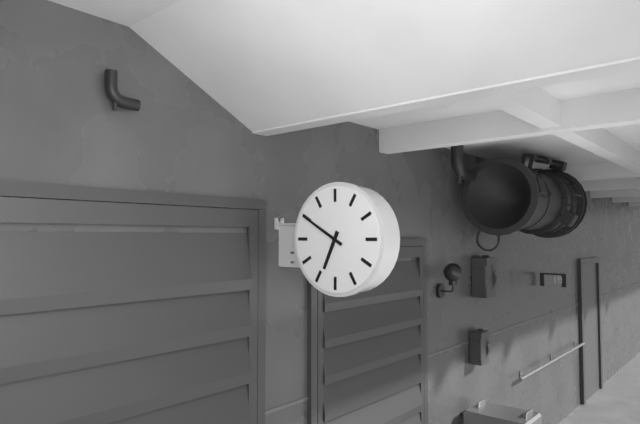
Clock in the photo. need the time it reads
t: 6:50
